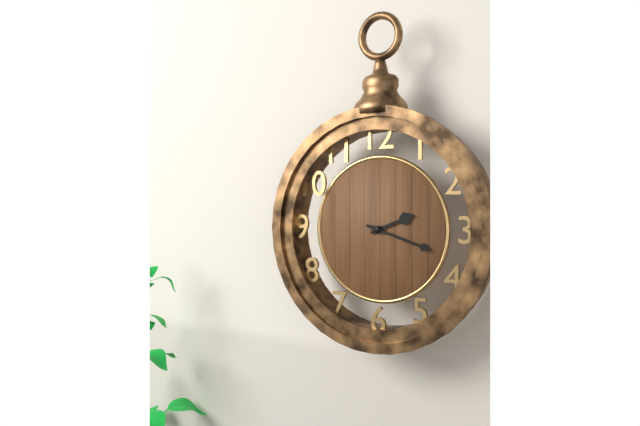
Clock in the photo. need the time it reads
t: 2:18
